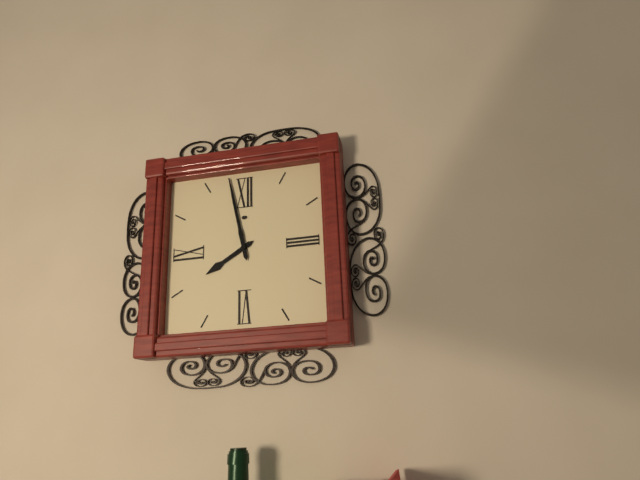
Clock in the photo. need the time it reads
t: 7:58
